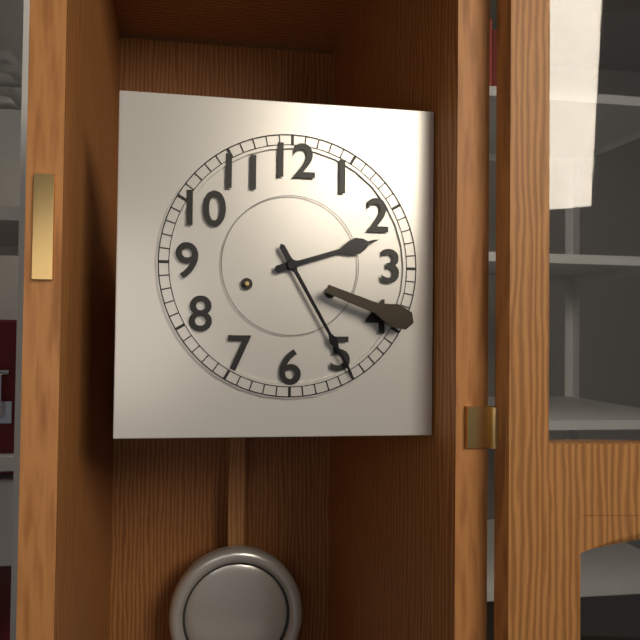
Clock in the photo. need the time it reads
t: 2:25
